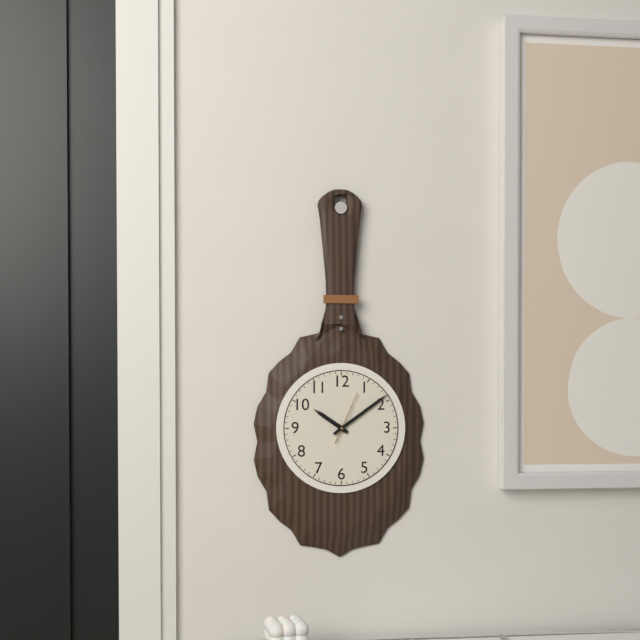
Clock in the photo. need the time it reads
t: 10:09
